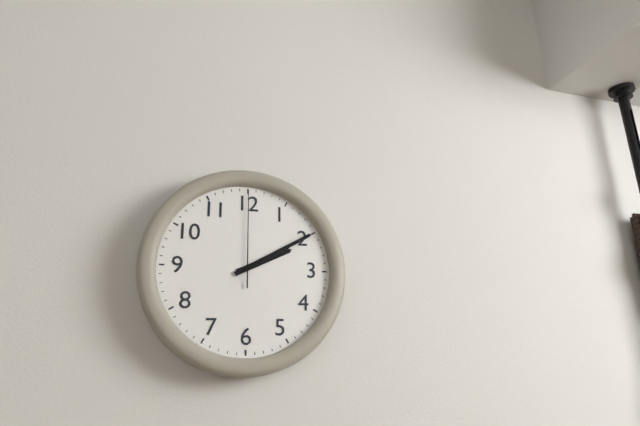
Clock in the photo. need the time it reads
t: 2:10:00
